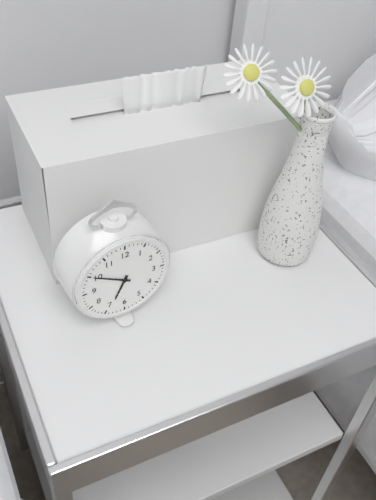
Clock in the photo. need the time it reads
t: 6:50
